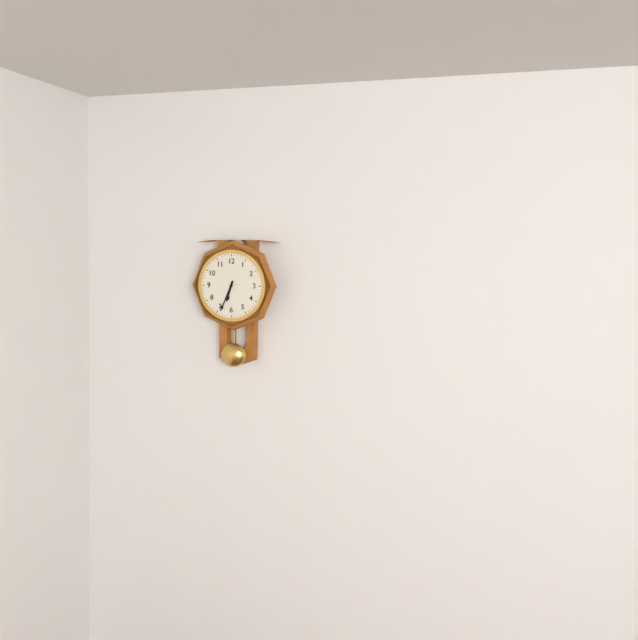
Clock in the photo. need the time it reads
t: 6:34
